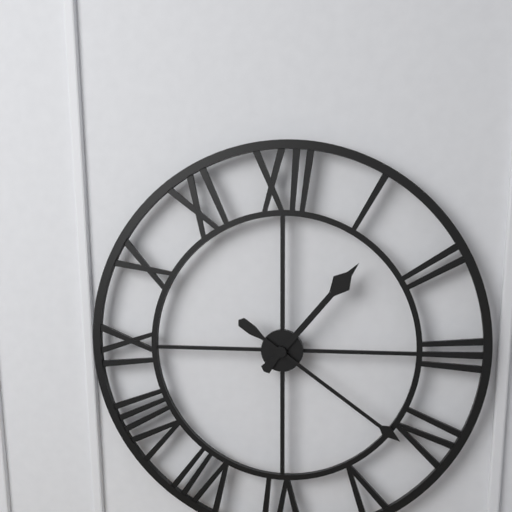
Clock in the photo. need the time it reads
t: 1:21
